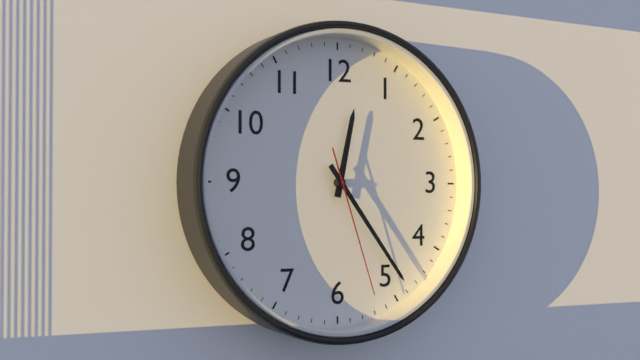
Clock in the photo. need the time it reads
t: 12:24:27
